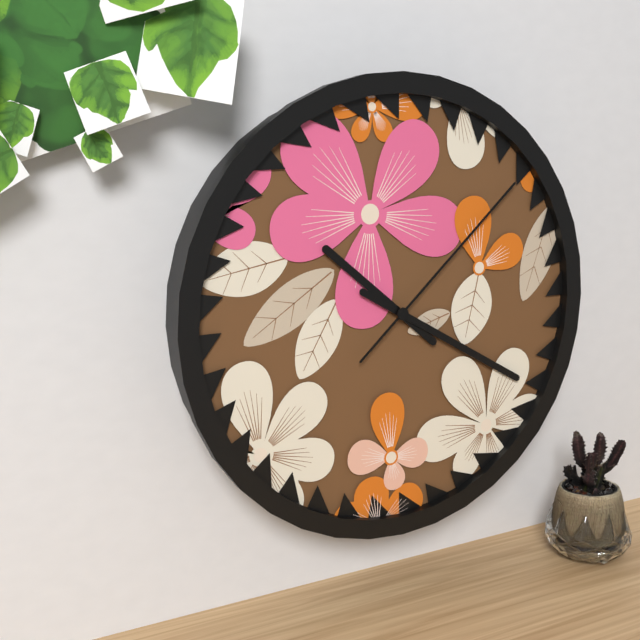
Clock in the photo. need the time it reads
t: 10:20:08
